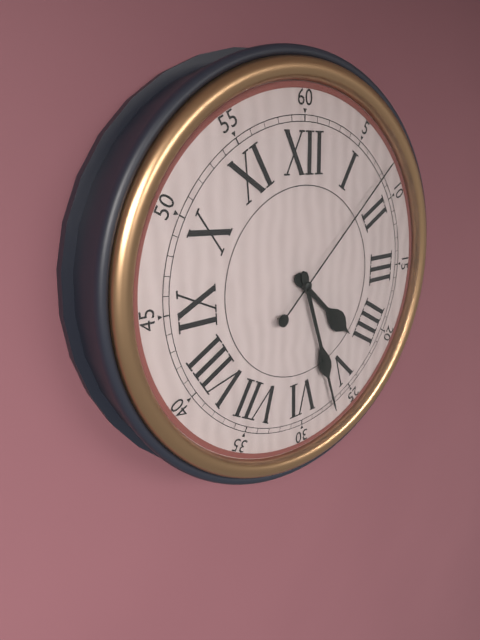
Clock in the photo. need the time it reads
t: 4:27:08
